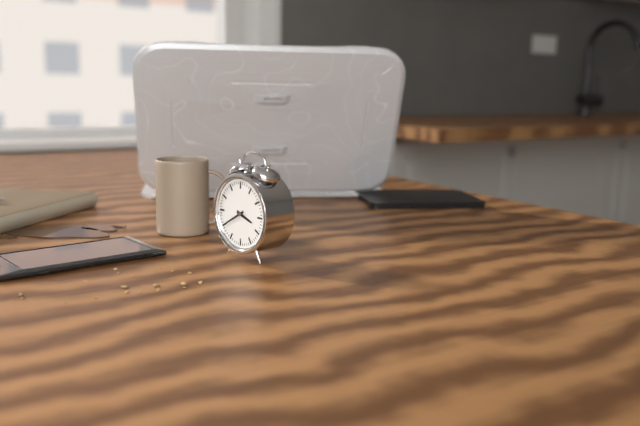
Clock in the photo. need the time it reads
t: 3:40
